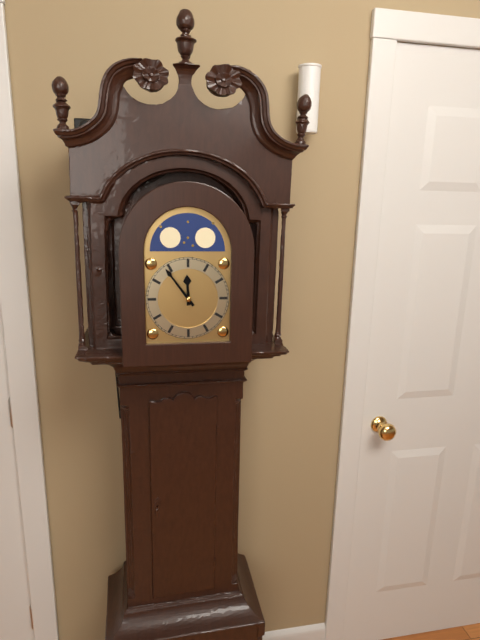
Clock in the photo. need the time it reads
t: 11:54
